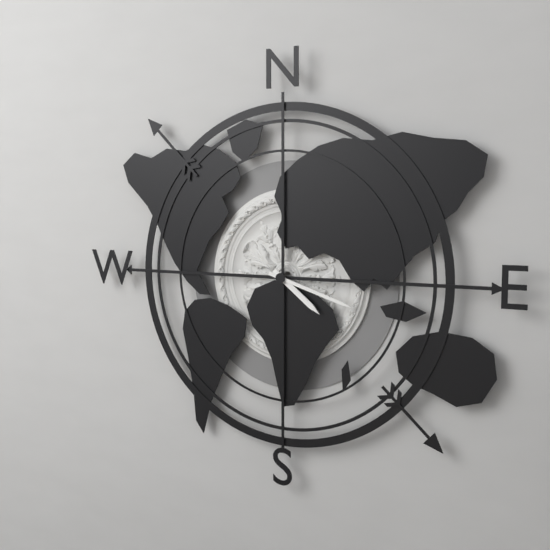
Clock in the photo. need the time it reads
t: 4:18
